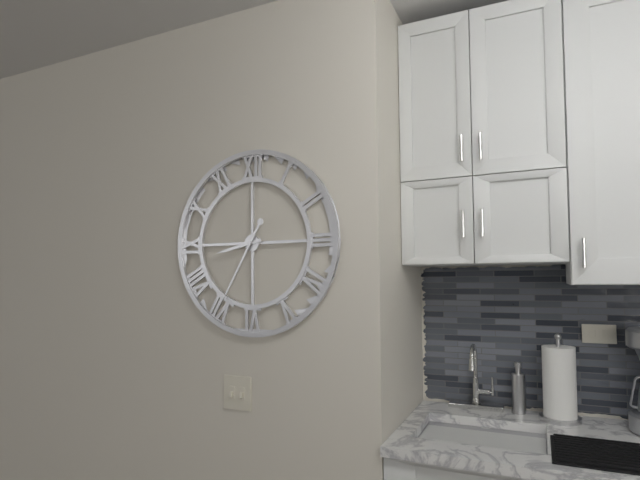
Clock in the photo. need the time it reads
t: 8:35
